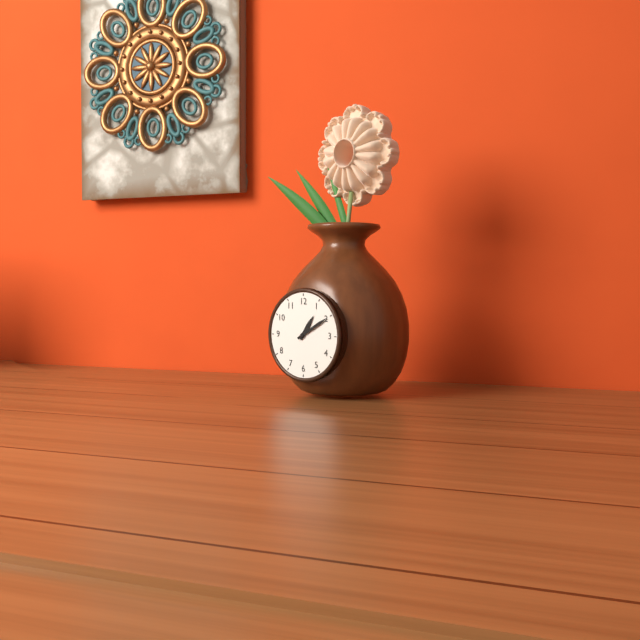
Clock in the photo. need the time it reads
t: 1:10
